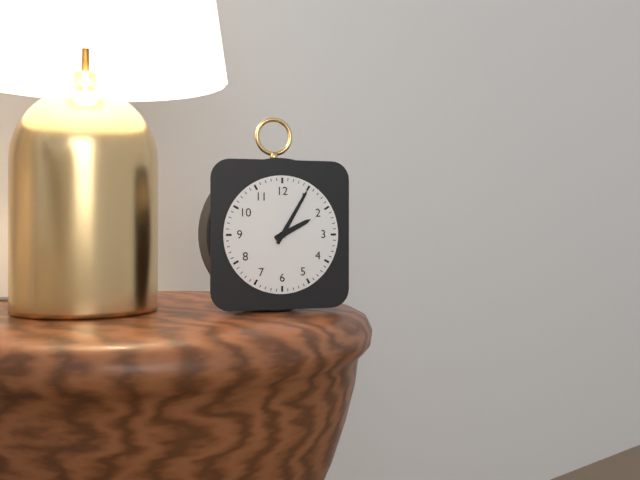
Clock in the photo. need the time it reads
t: 2:05
